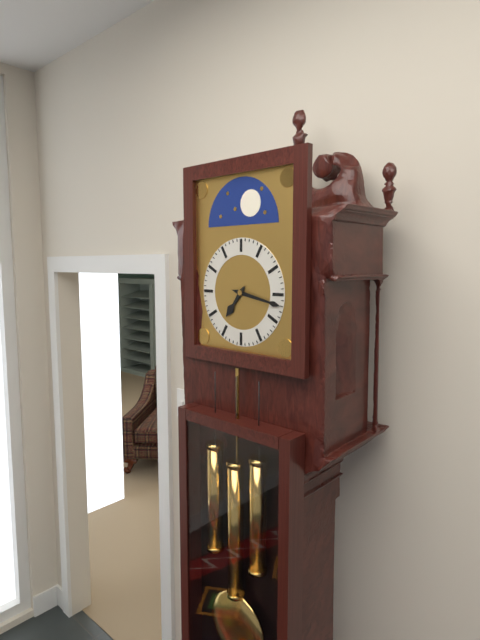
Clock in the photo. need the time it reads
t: 7:17
